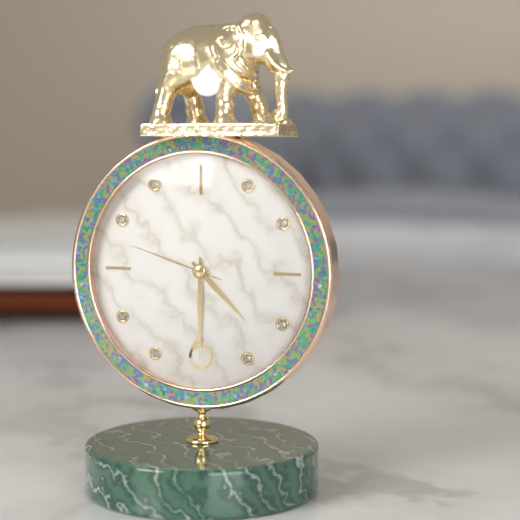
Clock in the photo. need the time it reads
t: 4:30:48
